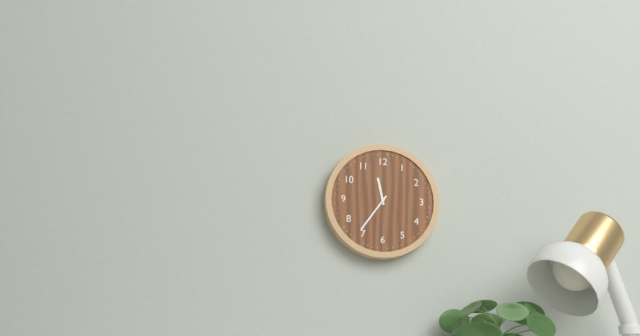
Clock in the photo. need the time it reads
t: 11:36
